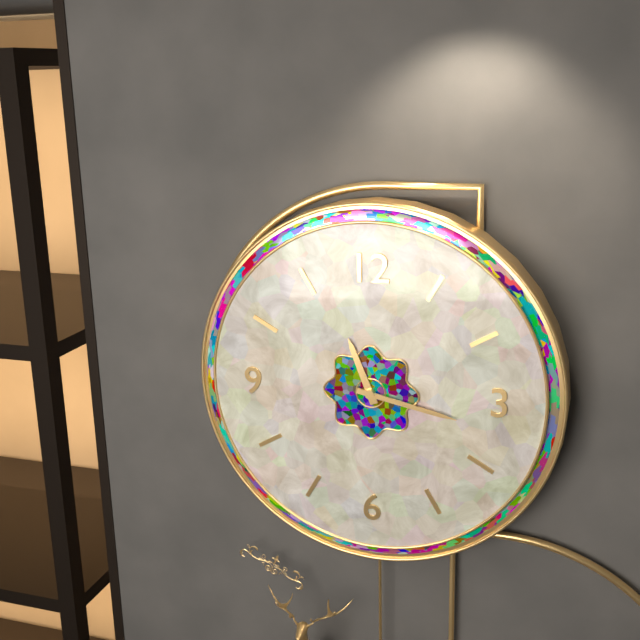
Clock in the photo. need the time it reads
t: 11:17
